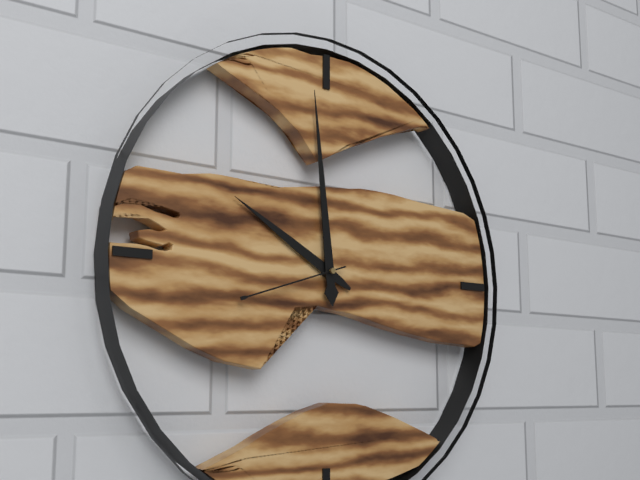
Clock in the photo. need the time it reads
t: 9:59:42
